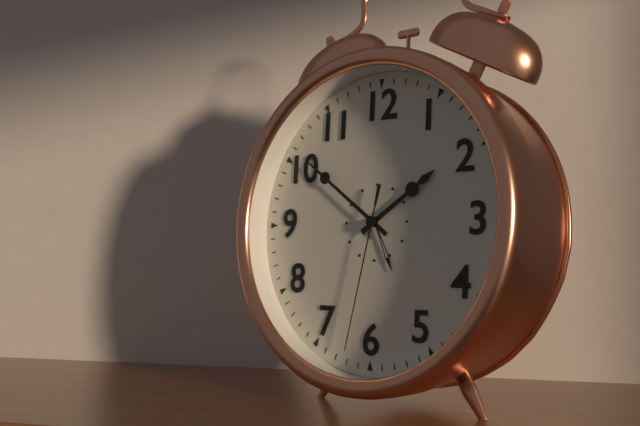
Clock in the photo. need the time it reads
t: 1:51:32
